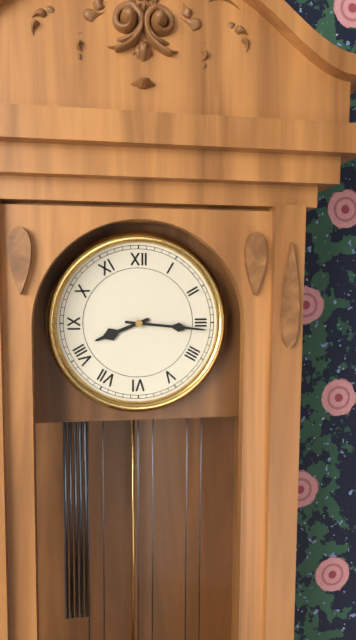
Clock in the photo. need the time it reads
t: 8:16
